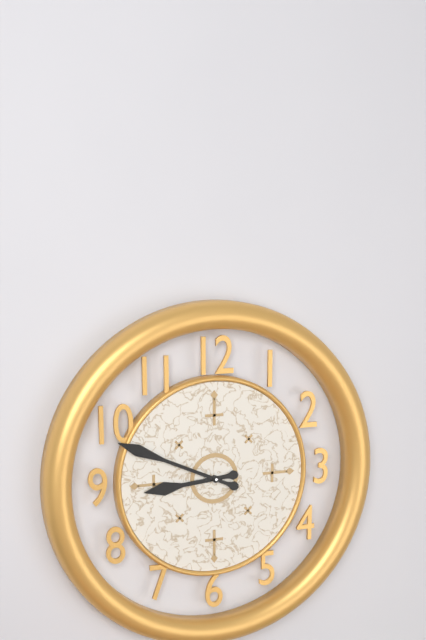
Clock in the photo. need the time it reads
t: 8:49
